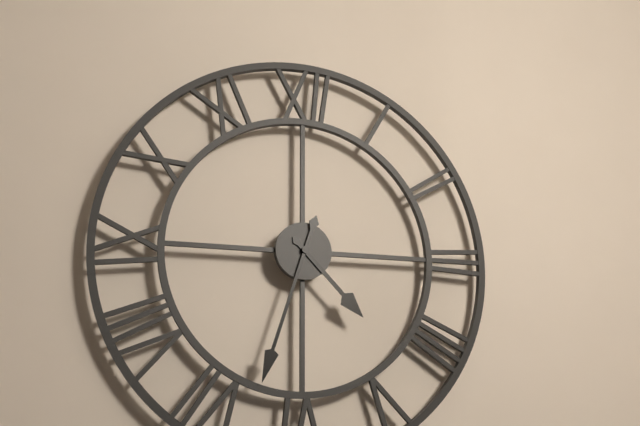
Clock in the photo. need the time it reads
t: 4:33
